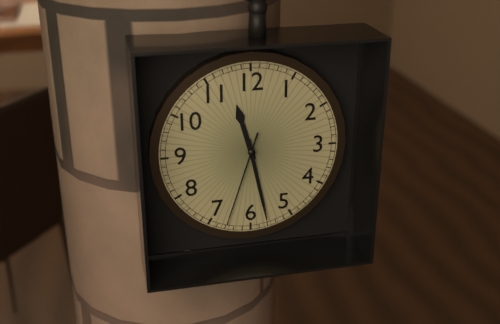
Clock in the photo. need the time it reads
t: 11:28:33
